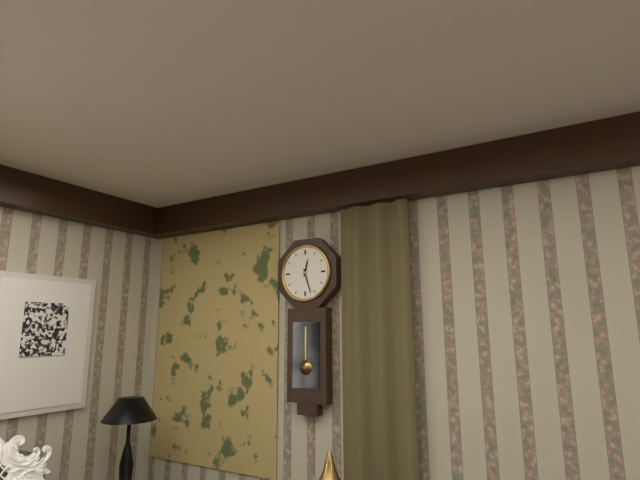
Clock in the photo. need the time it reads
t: 12:27
